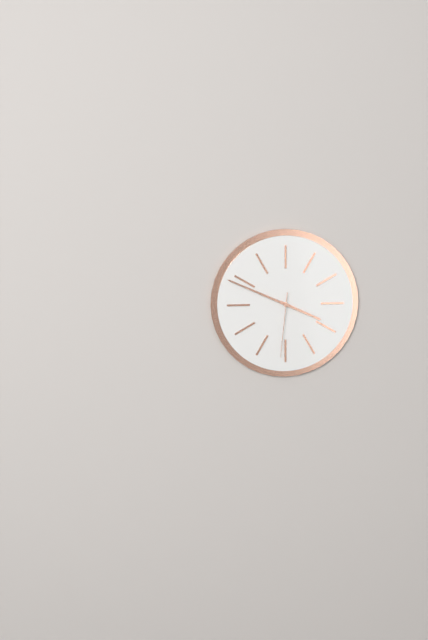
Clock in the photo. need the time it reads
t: 3:49:31
